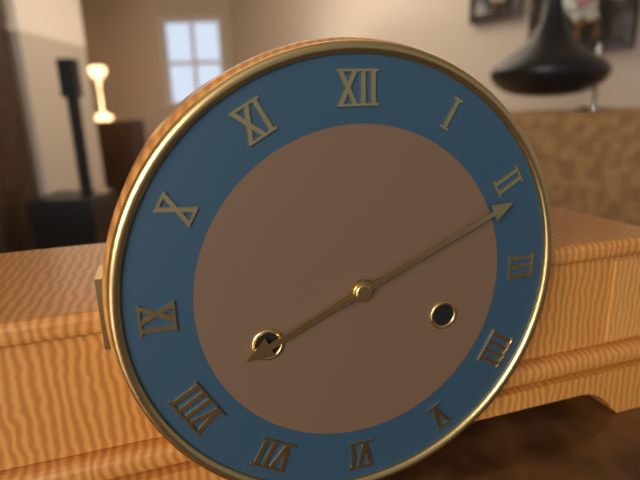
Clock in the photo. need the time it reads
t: 8:11
